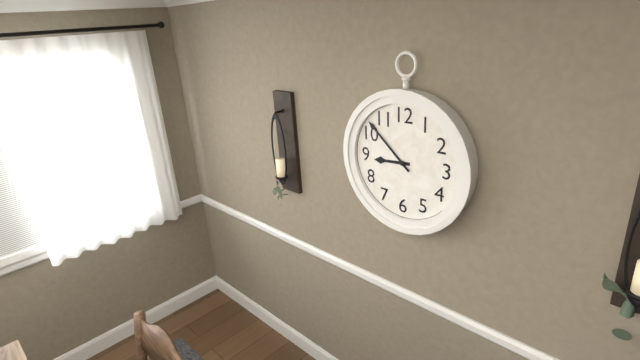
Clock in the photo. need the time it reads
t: 8:52
